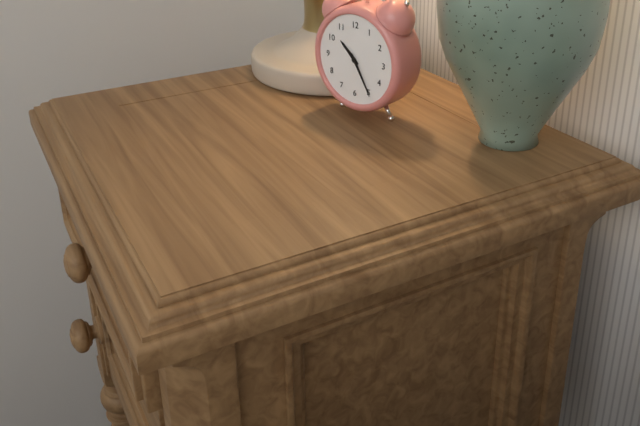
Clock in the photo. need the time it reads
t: 10:25
